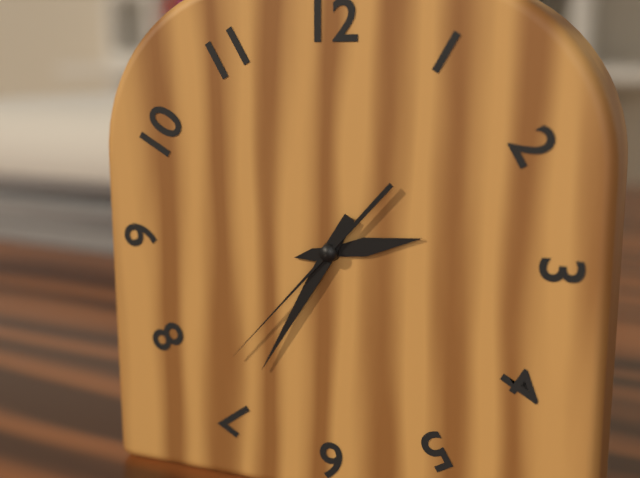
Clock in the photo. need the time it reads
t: 2:35:37
